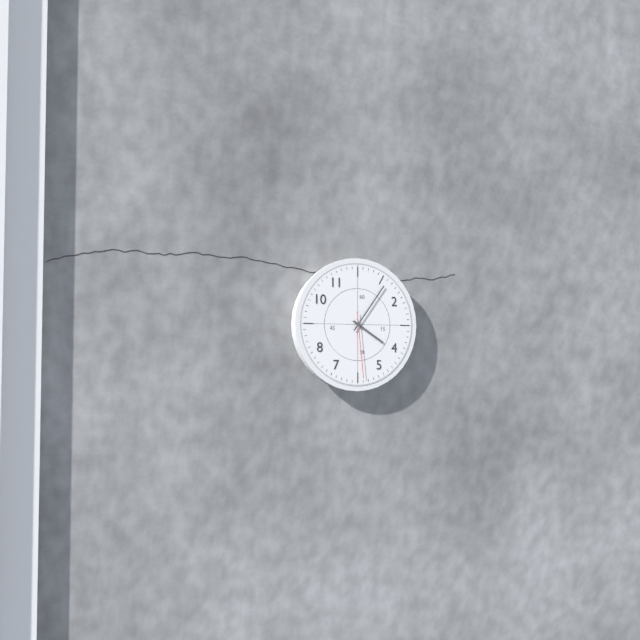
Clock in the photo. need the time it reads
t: 4:06:29
